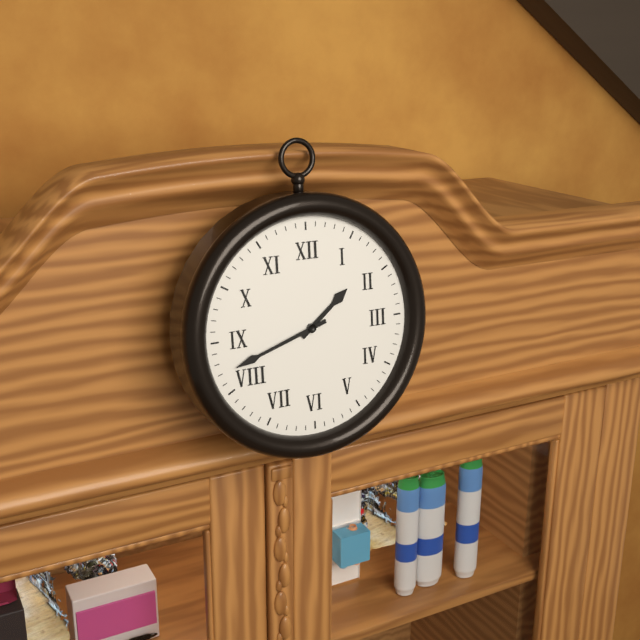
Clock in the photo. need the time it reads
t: 1:42
